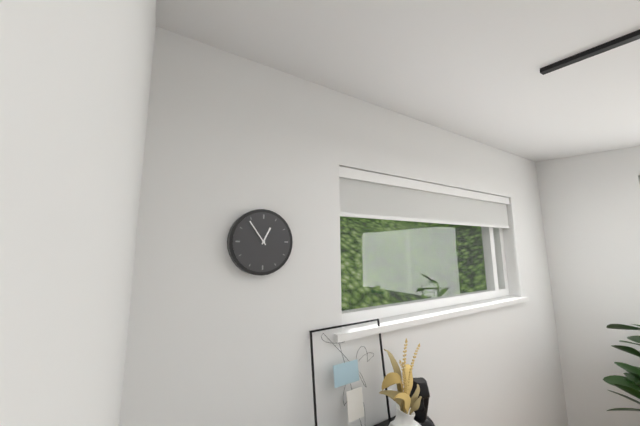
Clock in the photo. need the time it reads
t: 12:54
